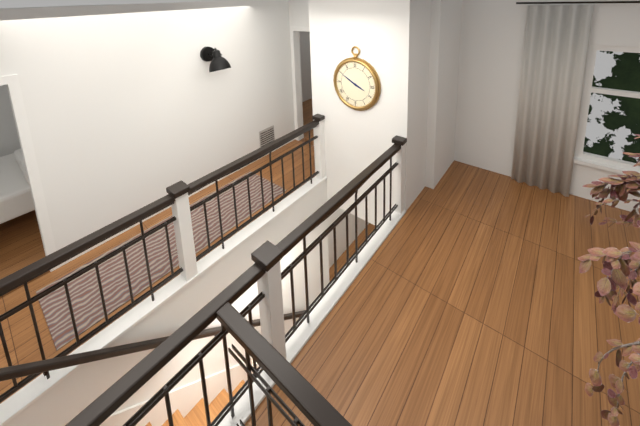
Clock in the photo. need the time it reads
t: 3:50
